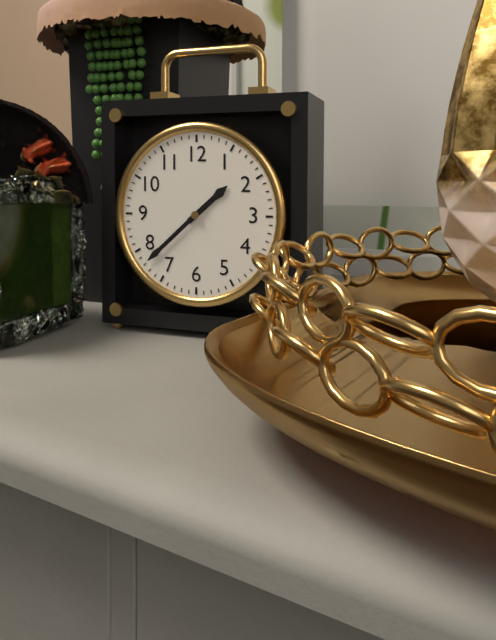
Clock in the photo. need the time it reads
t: 1:38
